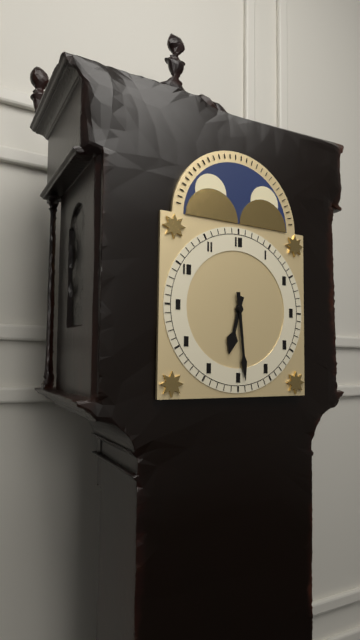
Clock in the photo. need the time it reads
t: 6:29
